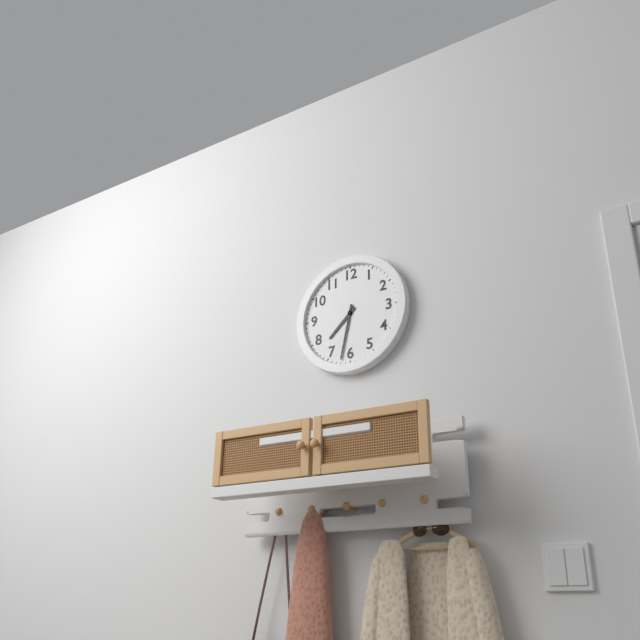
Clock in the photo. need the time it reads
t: 7:32
